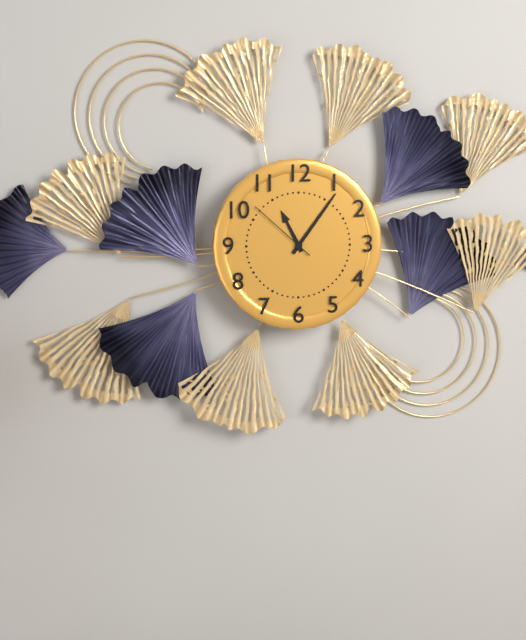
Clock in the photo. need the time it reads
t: 11:06:52
